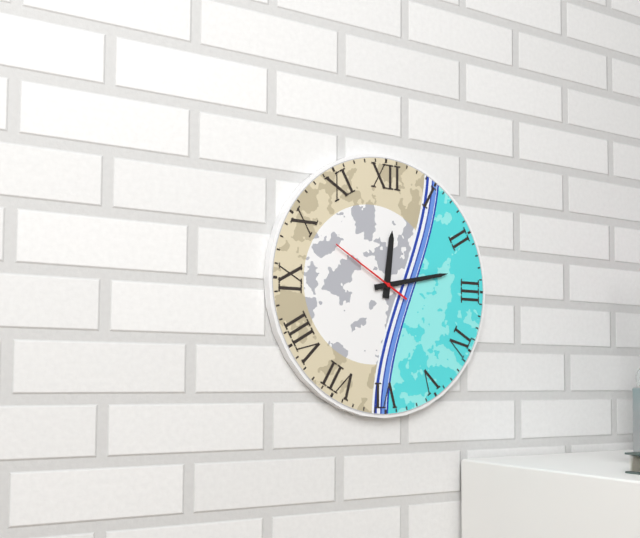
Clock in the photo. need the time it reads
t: 12:13:50
